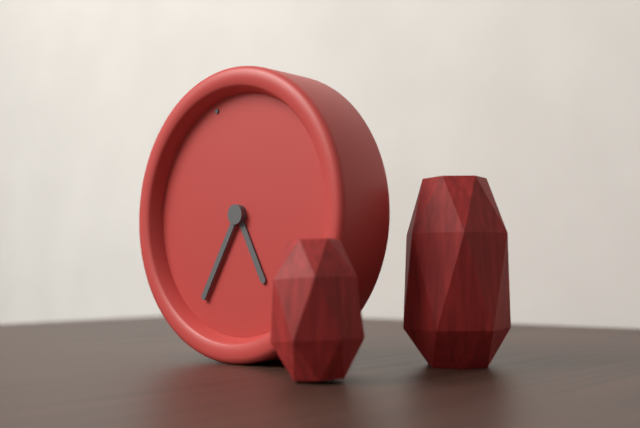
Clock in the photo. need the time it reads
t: 5:38
